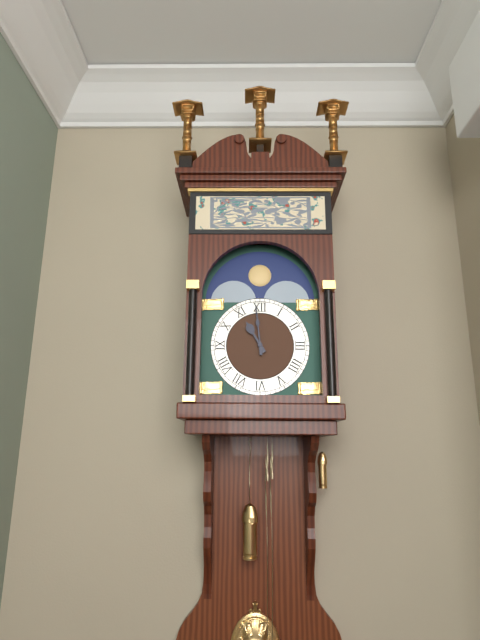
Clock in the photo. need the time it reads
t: 10:59
